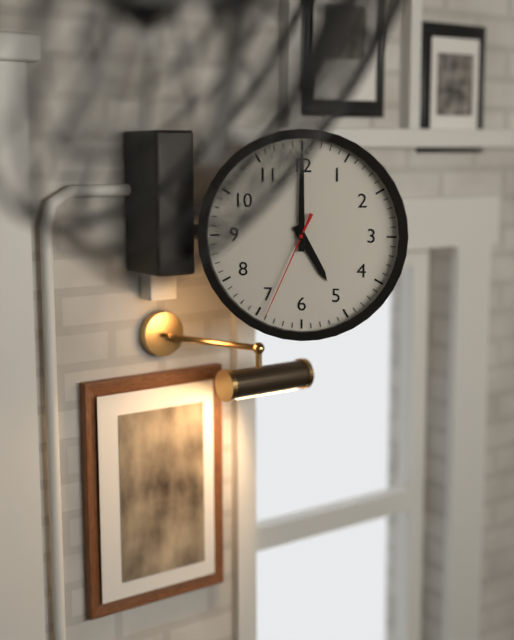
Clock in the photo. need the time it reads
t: 5:00:34
